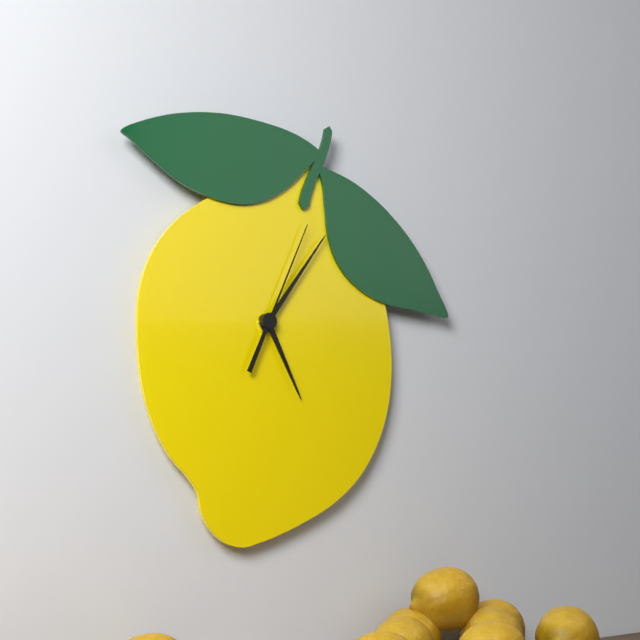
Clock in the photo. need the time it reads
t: 5:06:04
